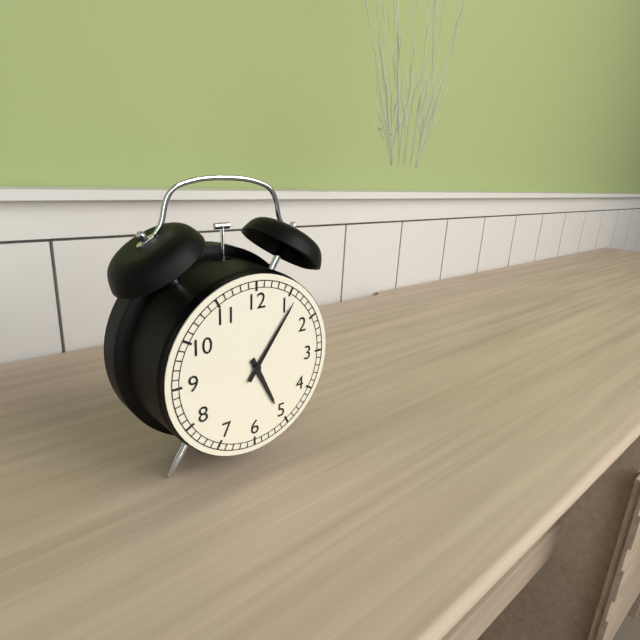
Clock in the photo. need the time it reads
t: 5:06
